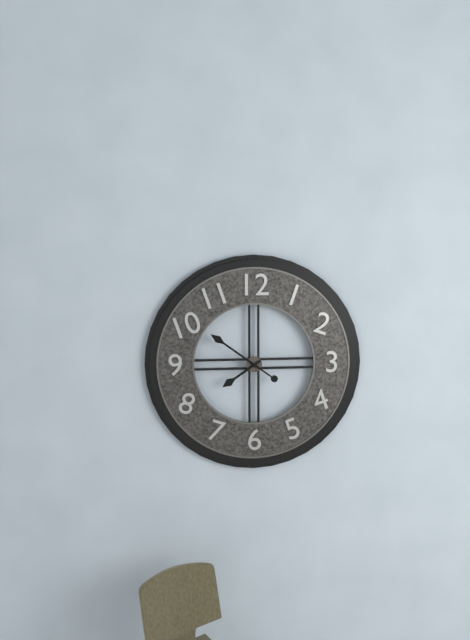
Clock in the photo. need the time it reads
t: 7:51:51
